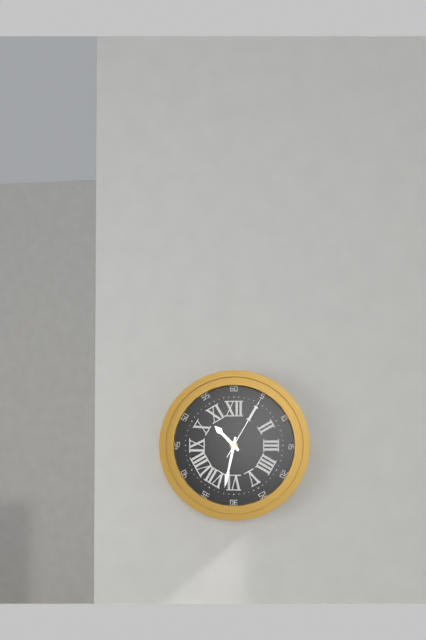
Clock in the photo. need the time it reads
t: 10:32:05
